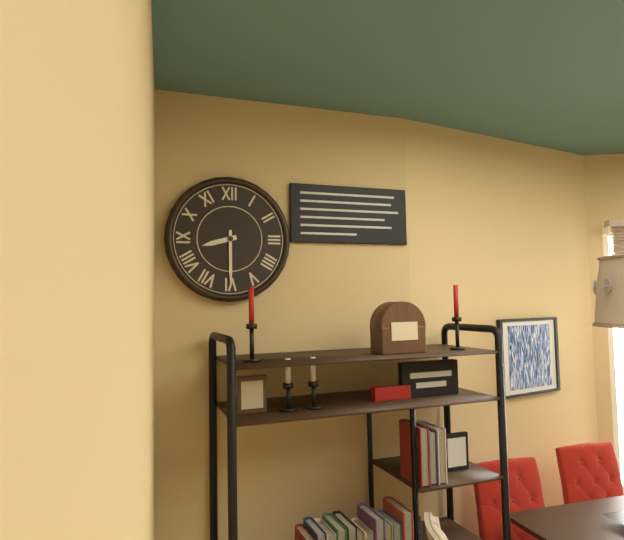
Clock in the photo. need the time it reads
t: 8:30
